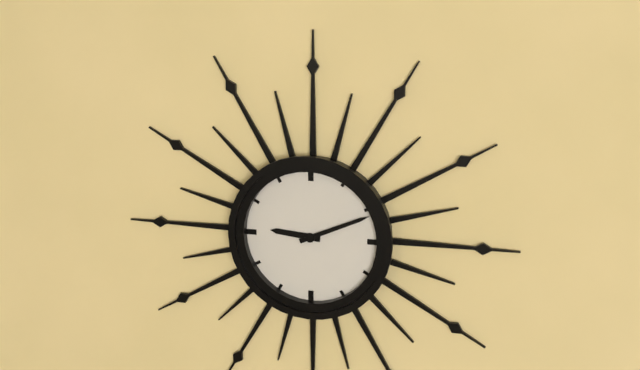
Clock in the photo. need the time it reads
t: 9:11
